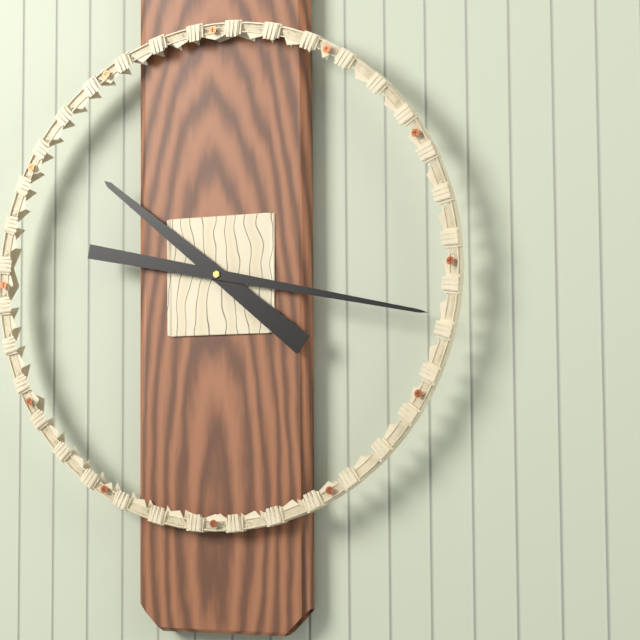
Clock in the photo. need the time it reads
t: 10:17
